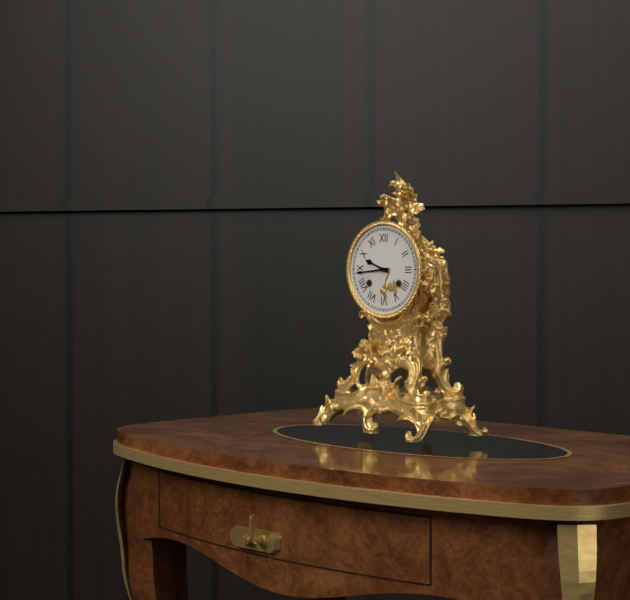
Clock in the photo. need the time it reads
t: 9:44
